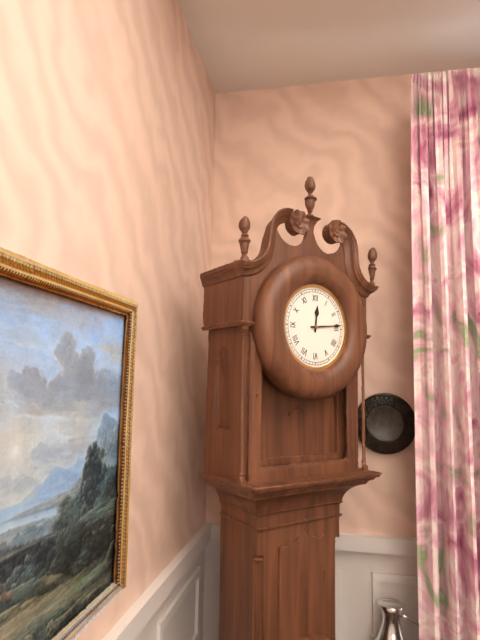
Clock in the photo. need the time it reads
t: 12:14
